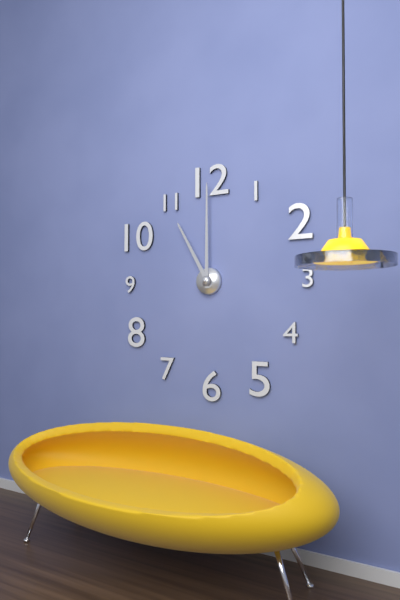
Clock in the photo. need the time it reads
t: 11:00
